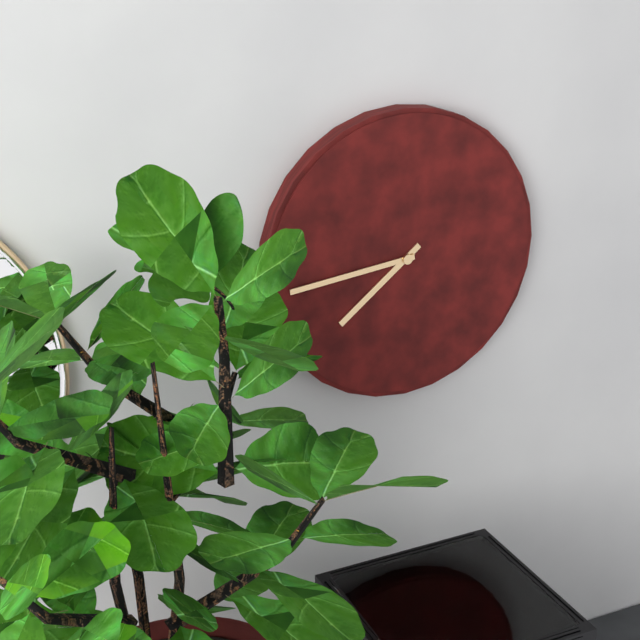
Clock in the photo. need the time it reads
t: 7:44
